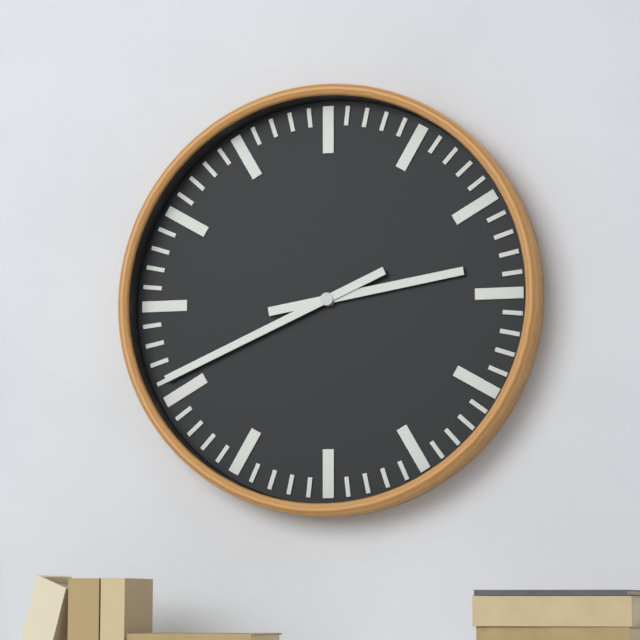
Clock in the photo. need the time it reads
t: 2:41
